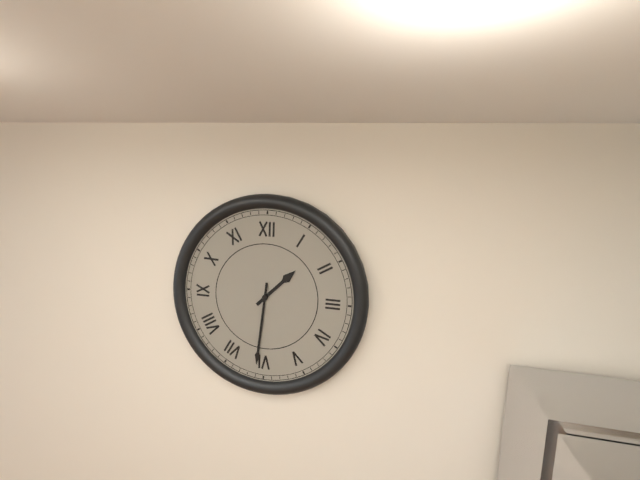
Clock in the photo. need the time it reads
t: 1:31
